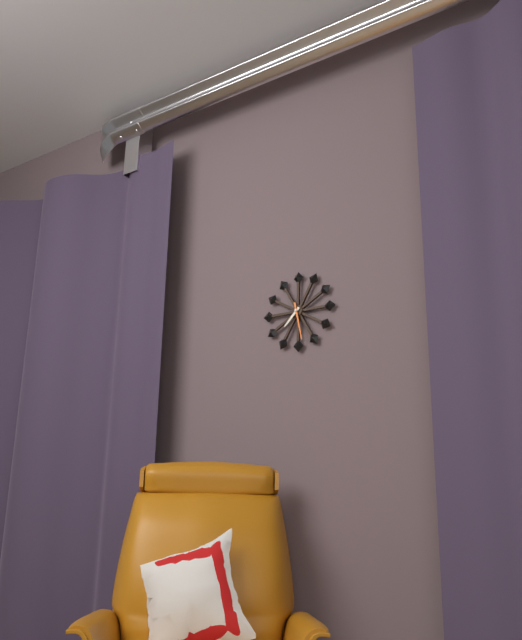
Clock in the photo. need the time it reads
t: 7:28
